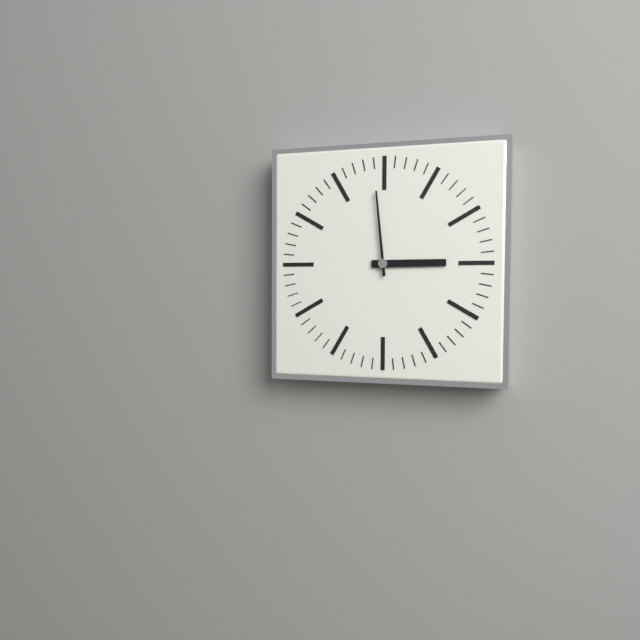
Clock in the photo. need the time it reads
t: 2:59
